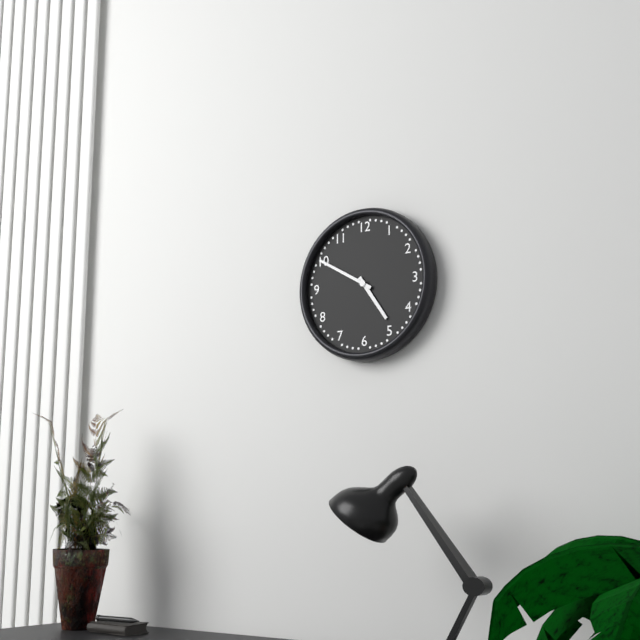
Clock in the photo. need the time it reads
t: 4:50
